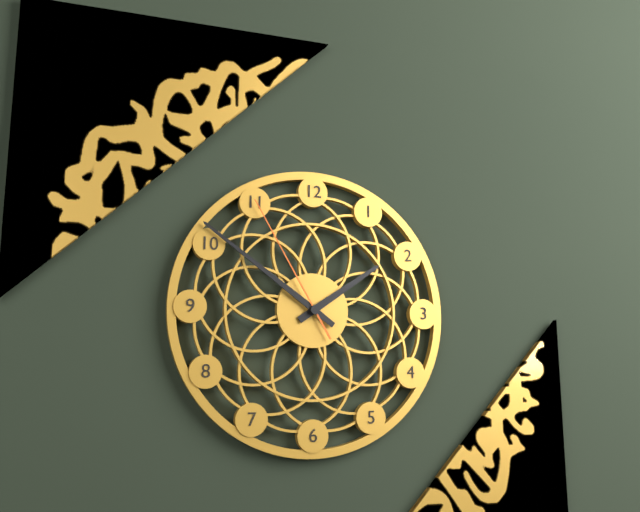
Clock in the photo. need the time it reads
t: 1:51:55
